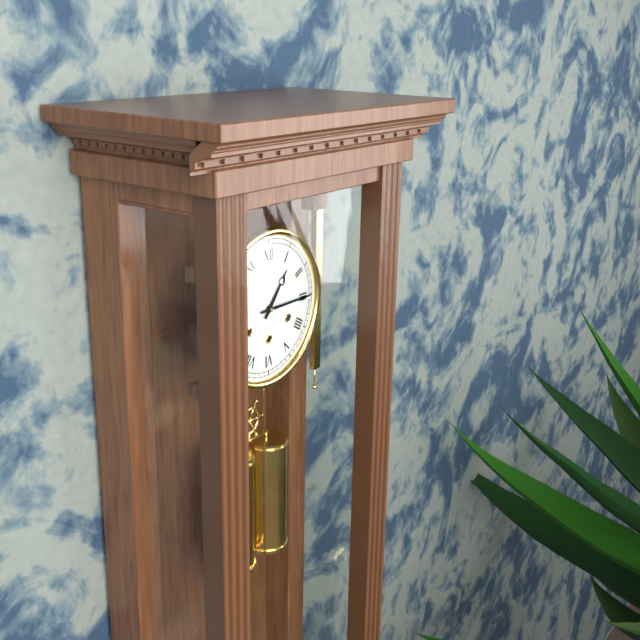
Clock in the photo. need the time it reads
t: 1:15
